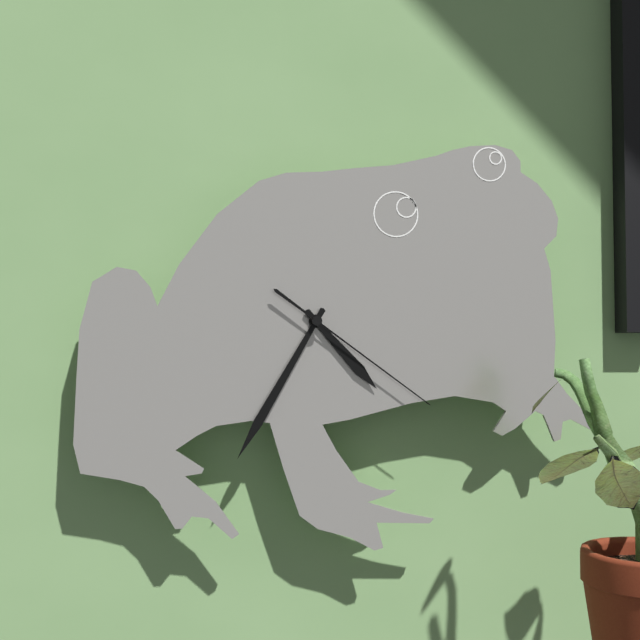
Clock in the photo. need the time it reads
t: 4:35:21
